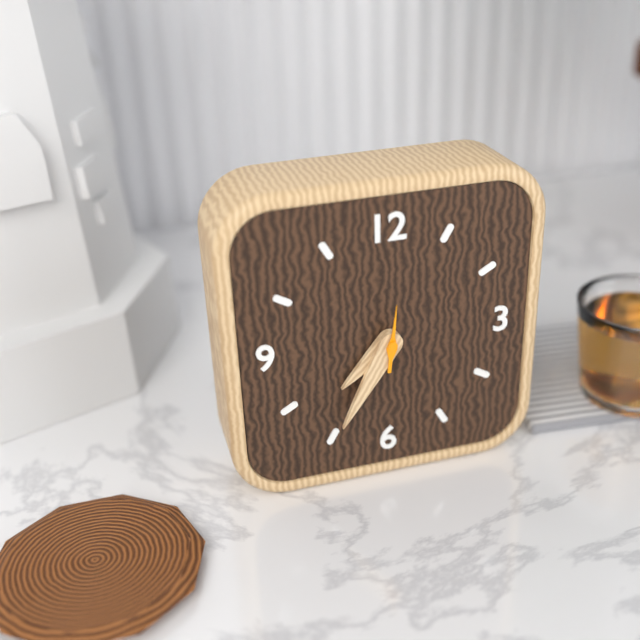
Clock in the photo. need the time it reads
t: 7:35
